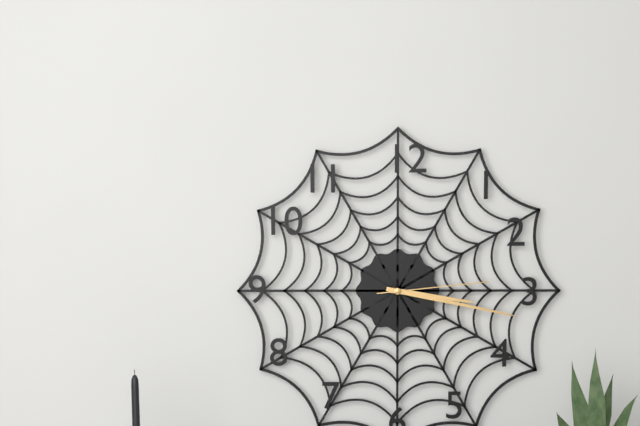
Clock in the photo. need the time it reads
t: 3:17:14
